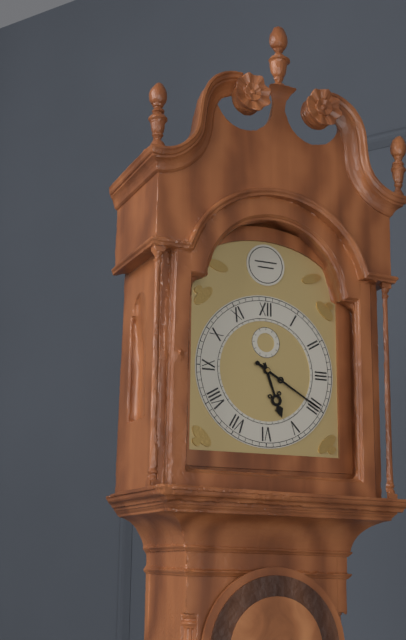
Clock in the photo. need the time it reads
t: 5:20
